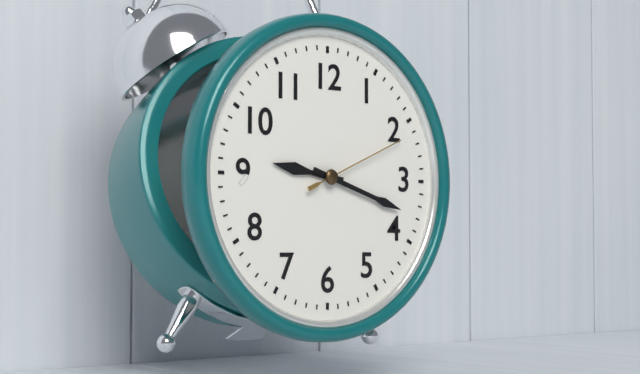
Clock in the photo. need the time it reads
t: 9:18:11
